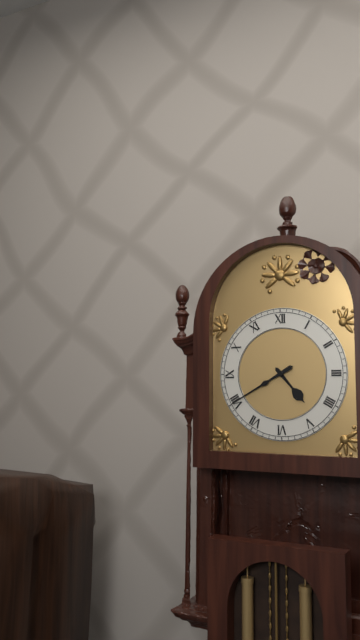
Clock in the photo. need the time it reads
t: 4:40
